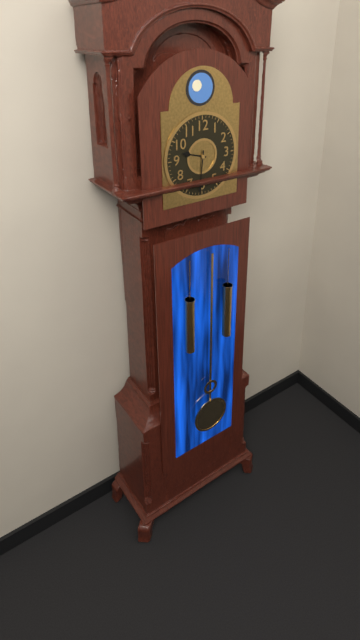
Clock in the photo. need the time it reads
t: 9:31
